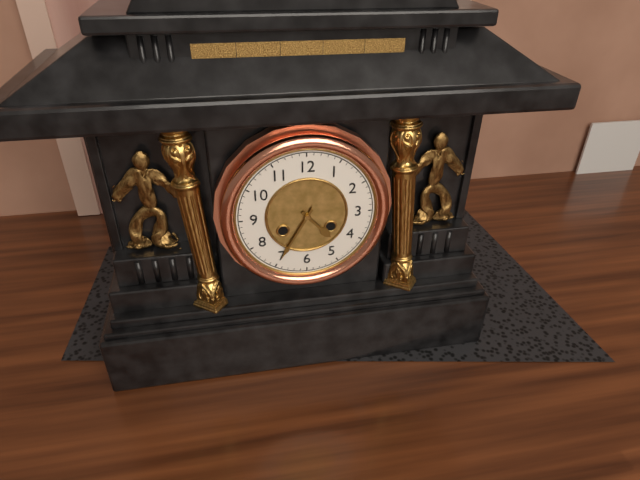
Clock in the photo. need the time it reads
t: 4:35
